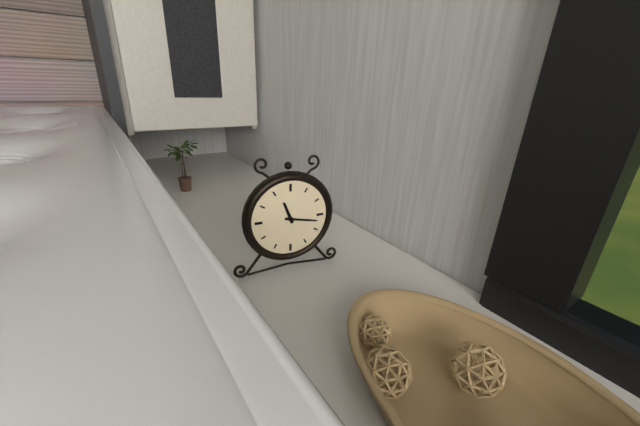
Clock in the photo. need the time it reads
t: 11:17
